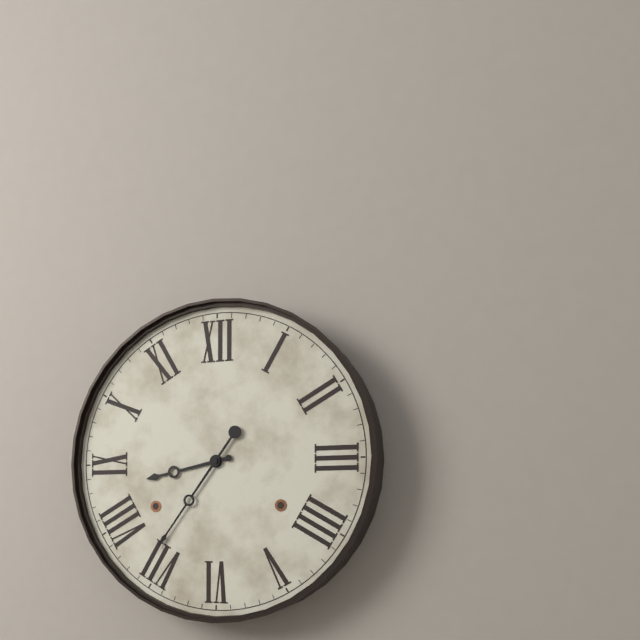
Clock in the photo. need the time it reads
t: 8:36
